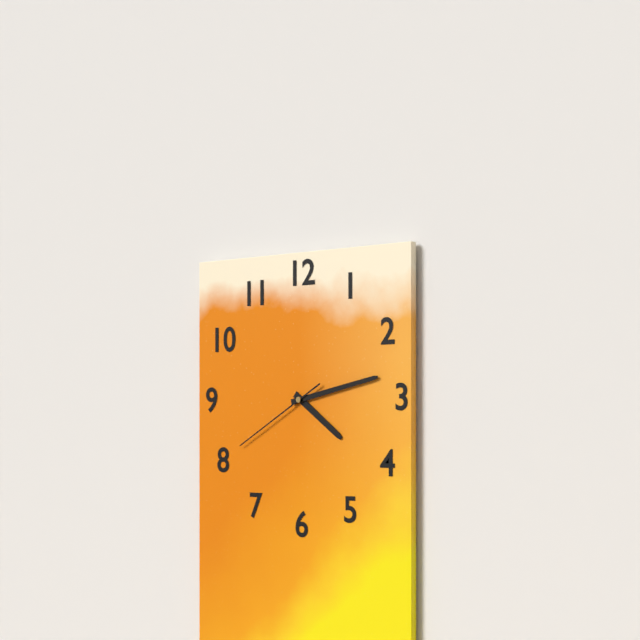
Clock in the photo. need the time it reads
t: 4:13:40
